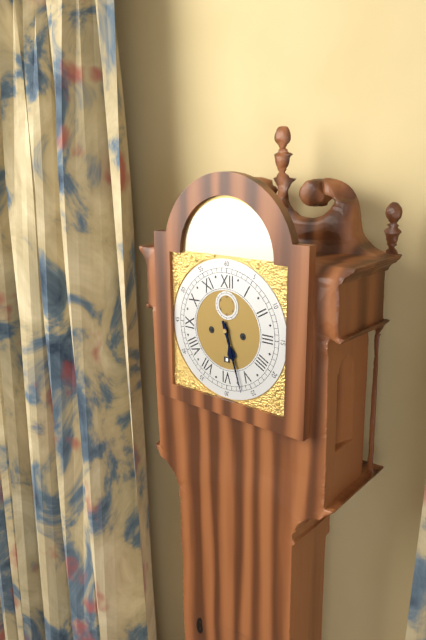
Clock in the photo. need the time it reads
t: 5:27
